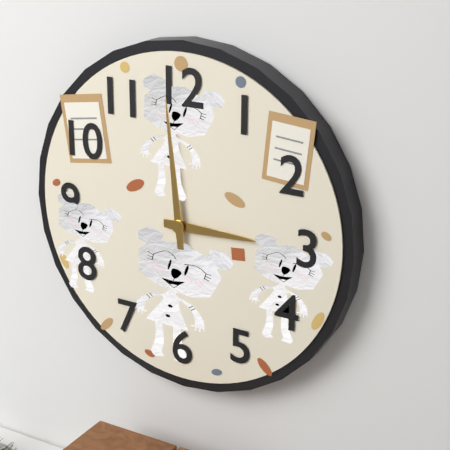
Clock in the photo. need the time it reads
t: 2:59
